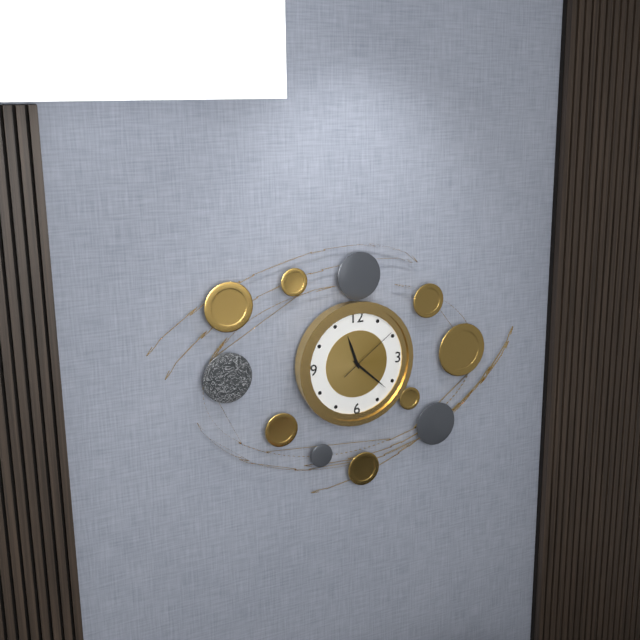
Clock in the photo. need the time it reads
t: 11:22:09
